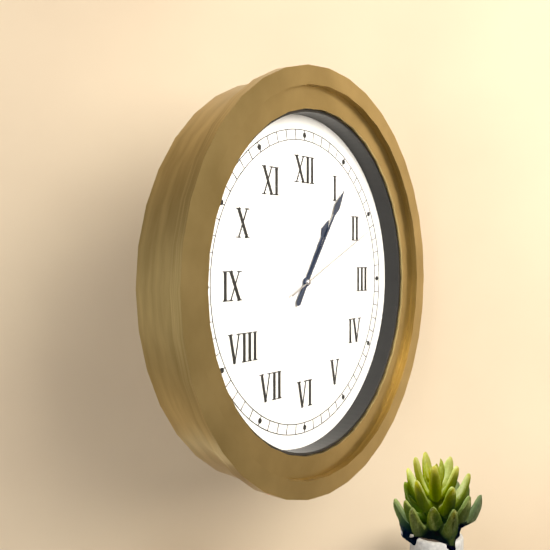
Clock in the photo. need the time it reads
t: 1:06:11
